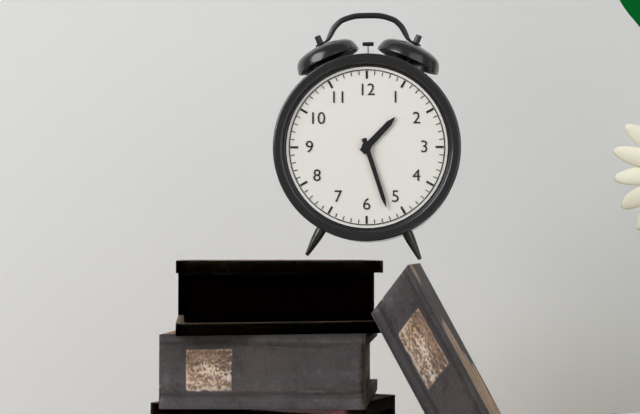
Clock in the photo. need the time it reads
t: 1:27
